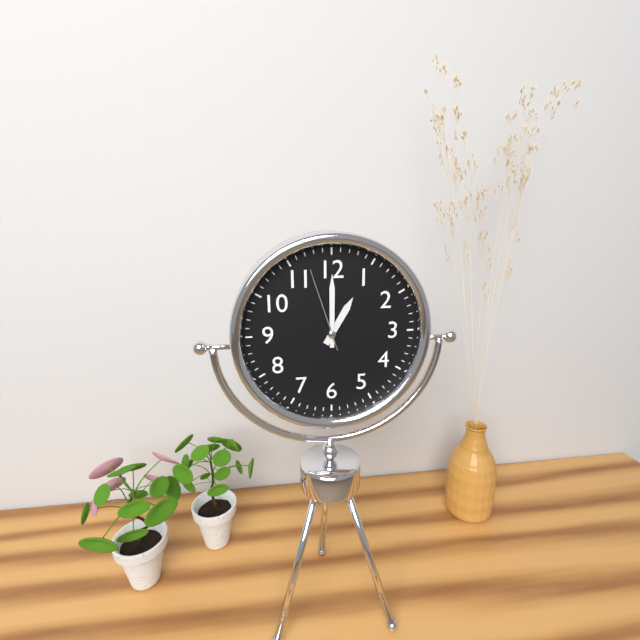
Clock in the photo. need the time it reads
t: 1:00:57
